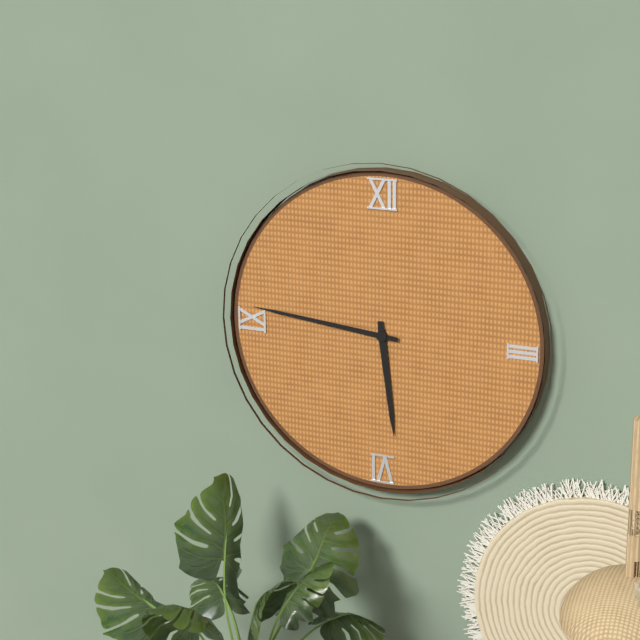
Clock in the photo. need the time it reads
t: 5:46
